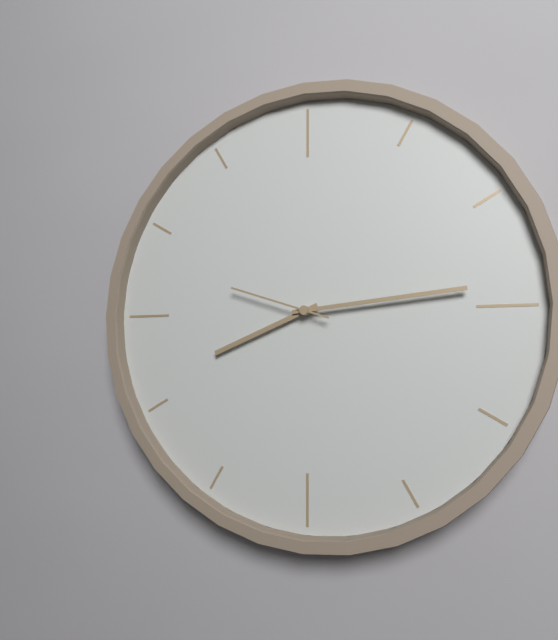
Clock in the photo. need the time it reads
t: 8:14:48
